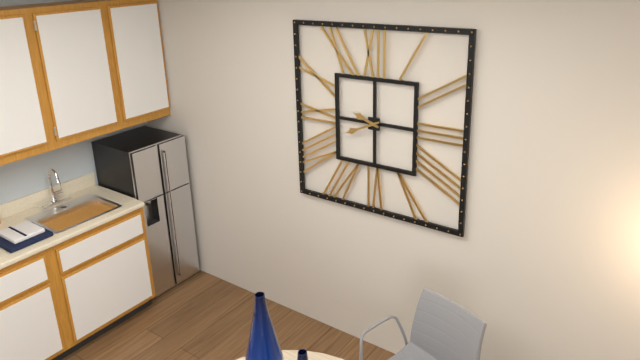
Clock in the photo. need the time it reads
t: 9:41
